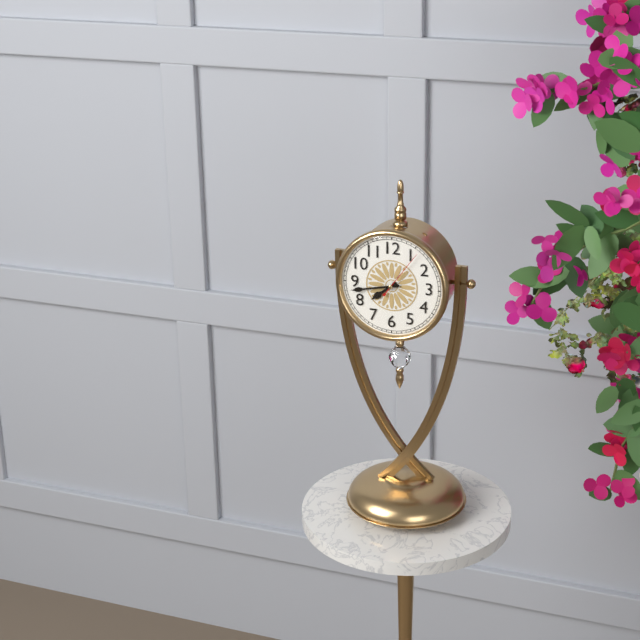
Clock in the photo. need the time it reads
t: 7:43:06
